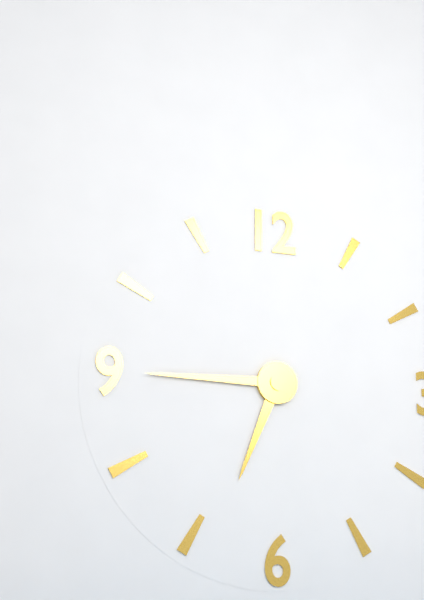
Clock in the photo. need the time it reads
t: 6:45
